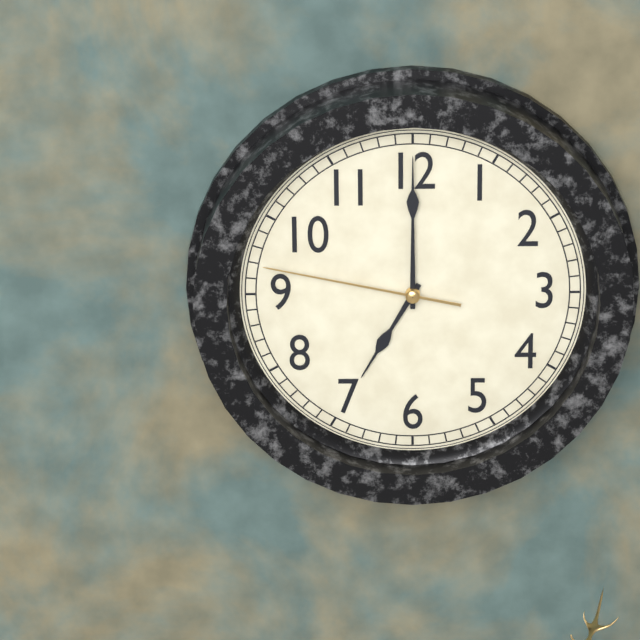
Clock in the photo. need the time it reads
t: 7:00:47
